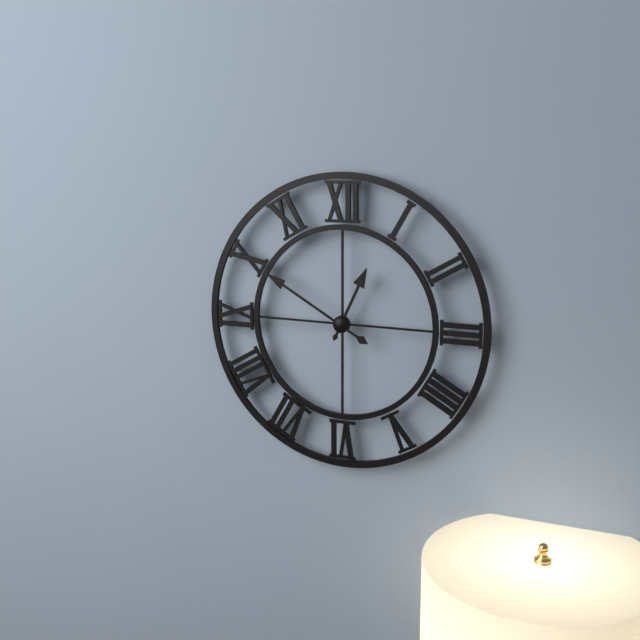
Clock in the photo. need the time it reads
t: 12:50
